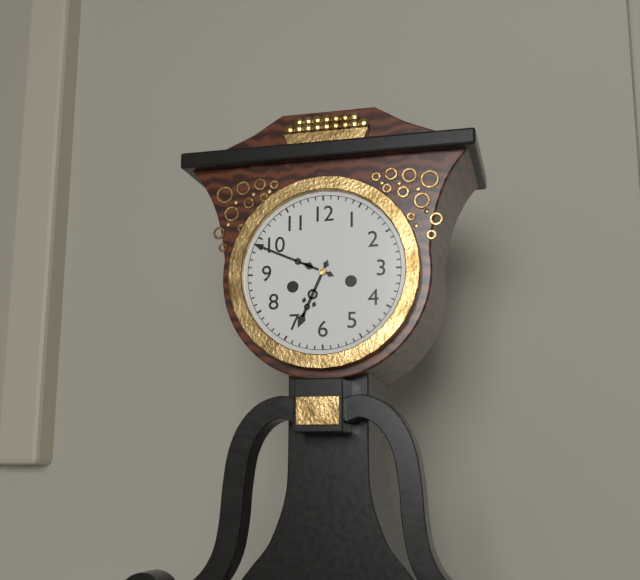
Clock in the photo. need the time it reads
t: 6:49
